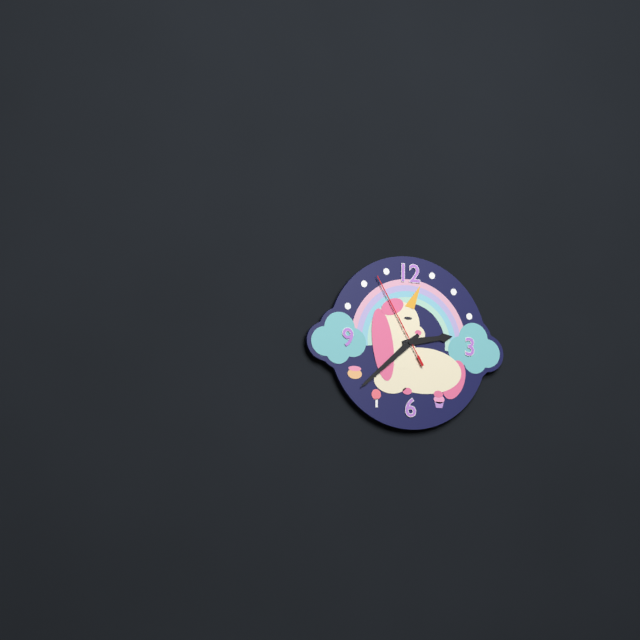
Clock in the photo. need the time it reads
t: 2:38:55
